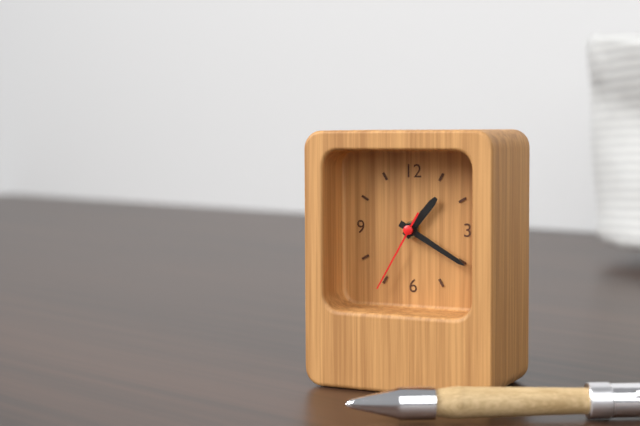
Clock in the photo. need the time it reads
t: 1:20:35
